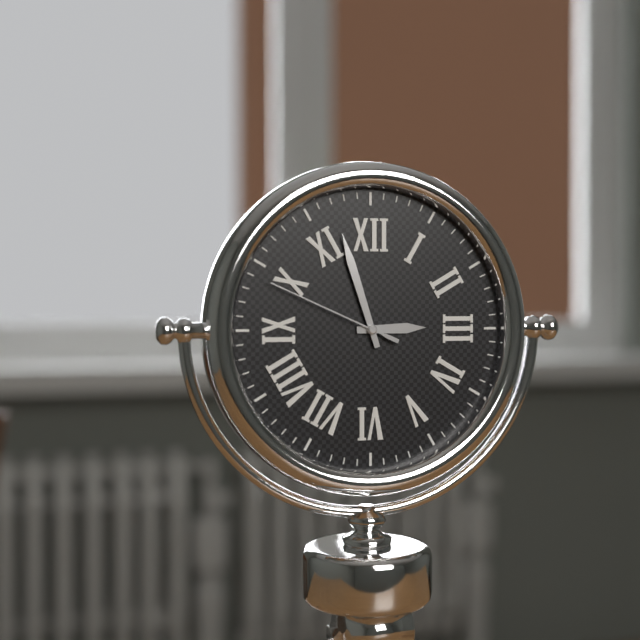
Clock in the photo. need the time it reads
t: 2:57:49
